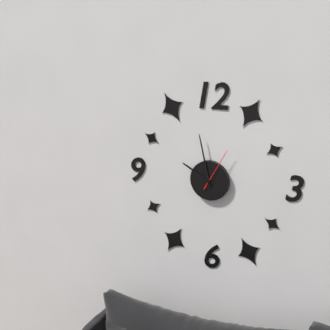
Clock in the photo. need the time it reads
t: 9:58
